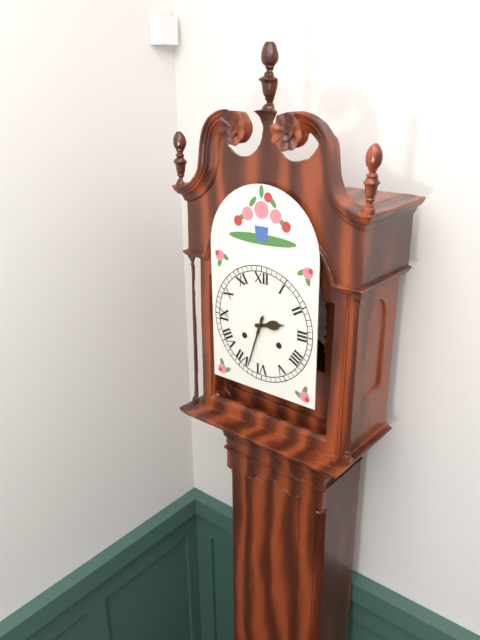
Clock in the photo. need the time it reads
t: 2:33
